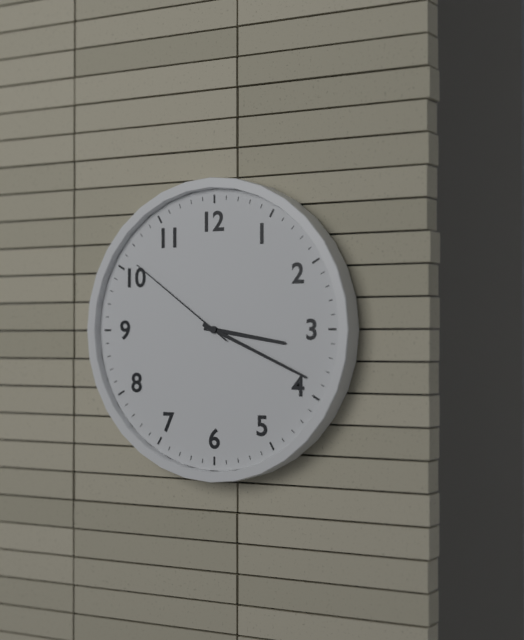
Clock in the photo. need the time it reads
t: 3:19:51
